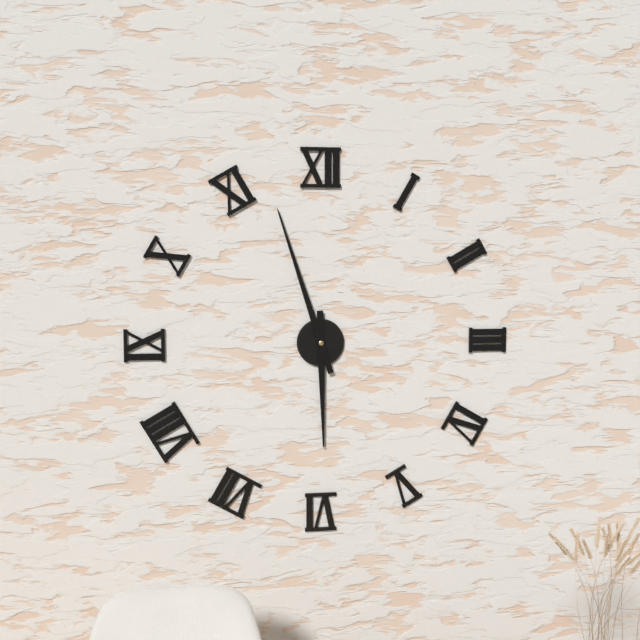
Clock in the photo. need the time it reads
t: 5:57
